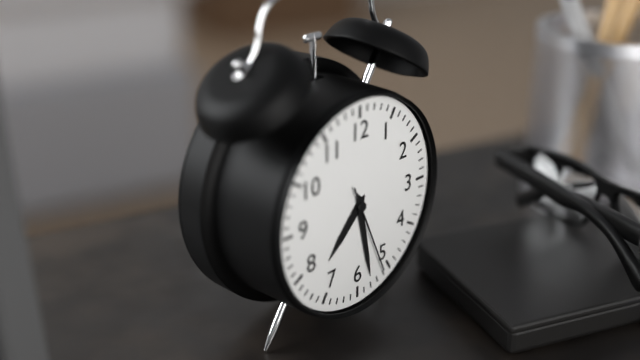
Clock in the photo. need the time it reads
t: 7:28:26
